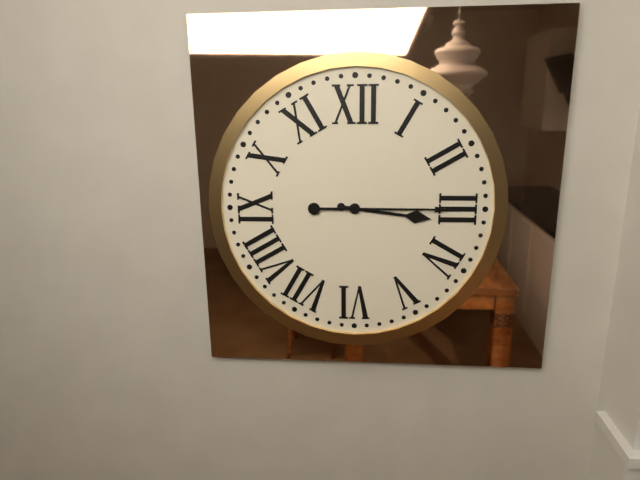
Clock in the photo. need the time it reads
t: 3:15
